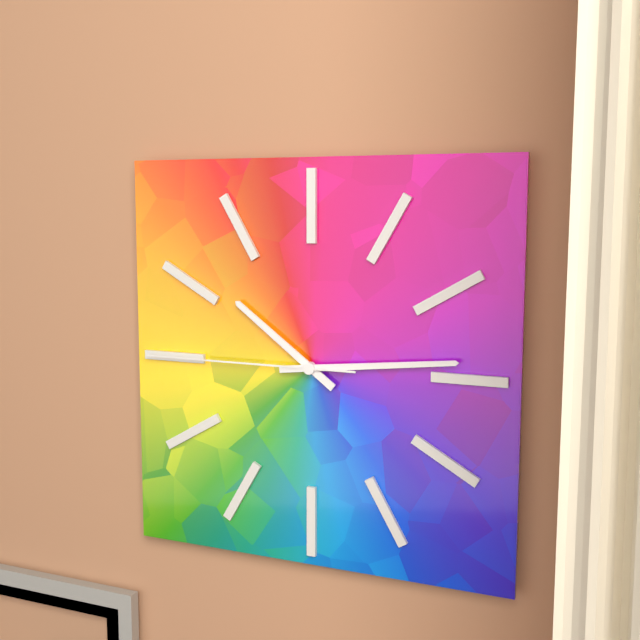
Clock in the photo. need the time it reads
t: 10:14:45
